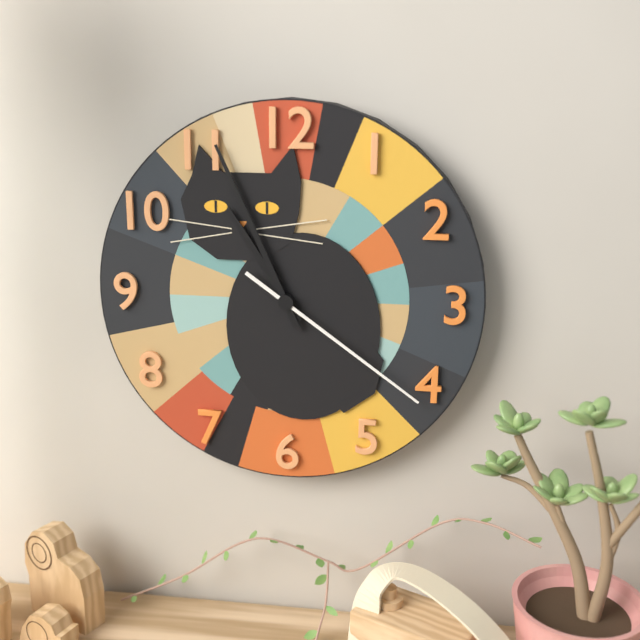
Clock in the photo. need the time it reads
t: 10:56:21
